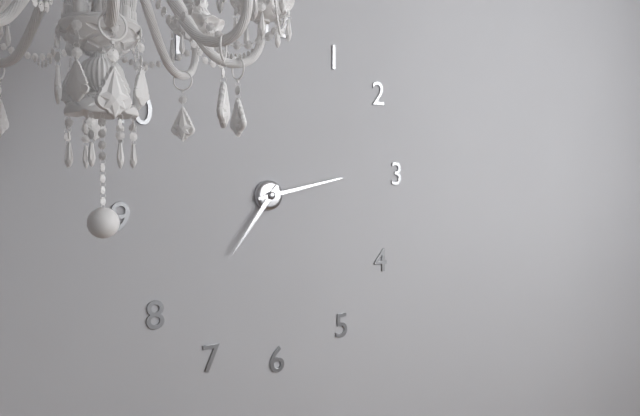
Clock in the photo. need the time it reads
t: 7:13
